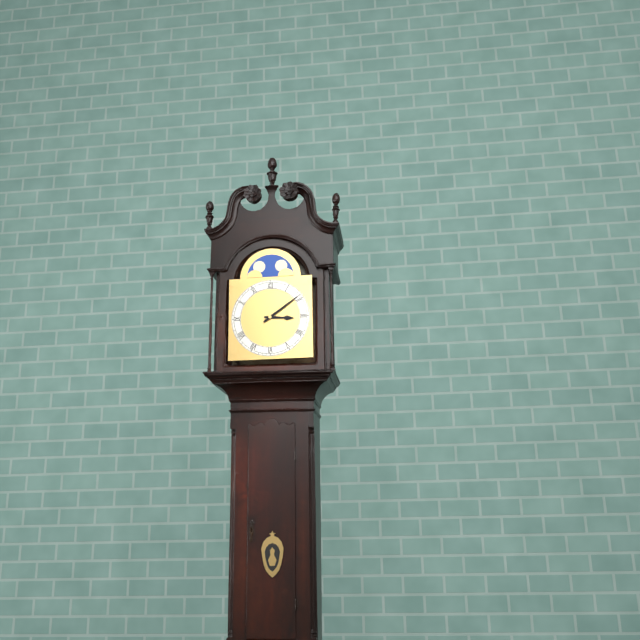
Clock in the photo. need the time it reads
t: 3:09
